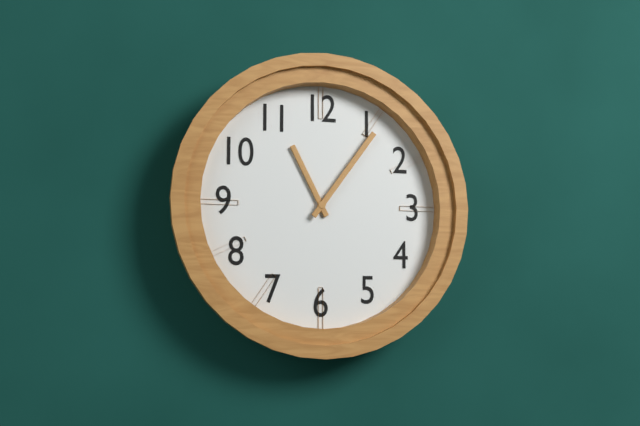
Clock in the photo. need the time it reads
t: 11:06
